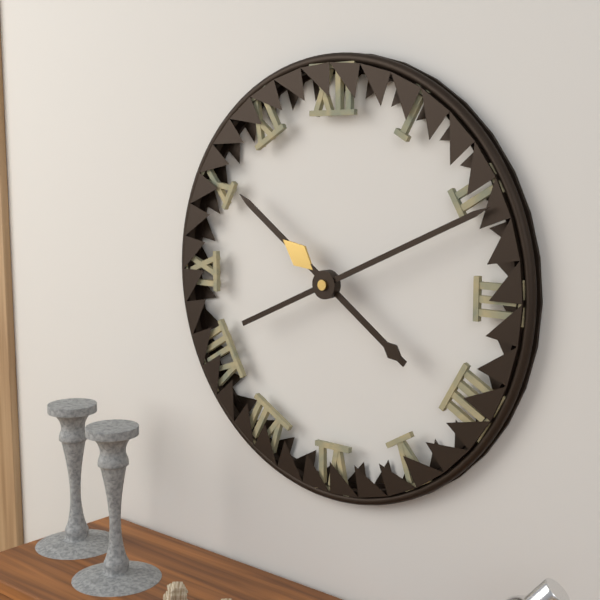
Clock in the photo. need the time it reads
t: 10:11
